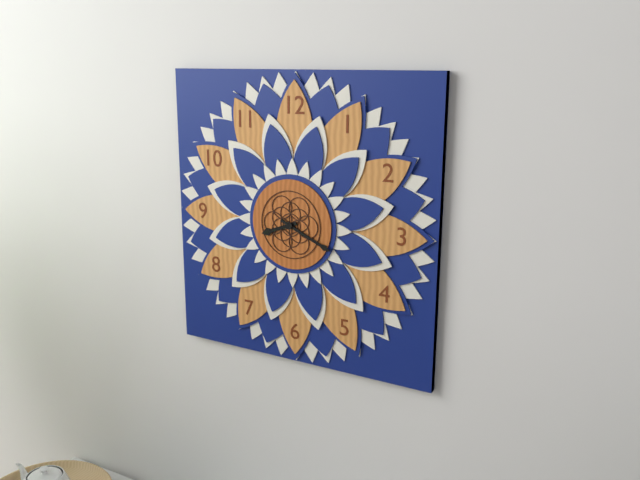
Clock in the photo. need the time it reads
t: 8:19
